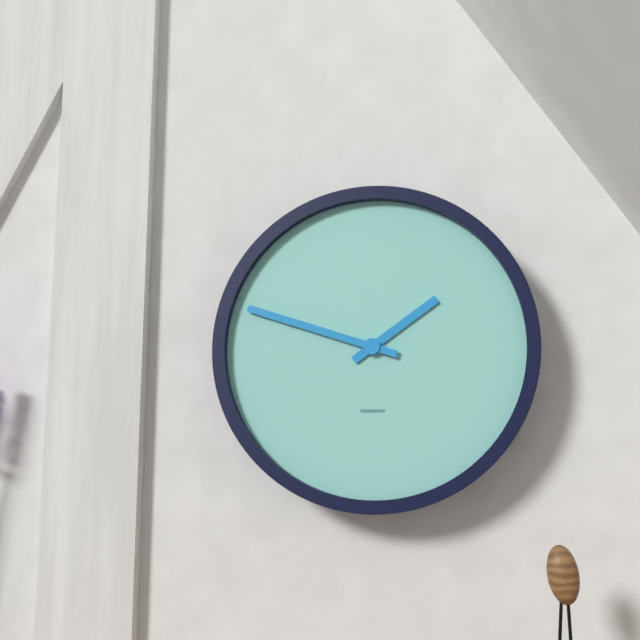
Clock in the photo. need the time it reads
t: 1:48
